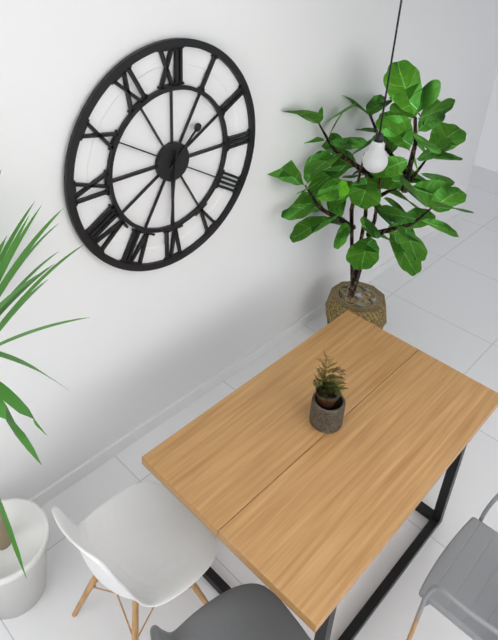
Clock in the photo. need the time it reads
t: 1:31
